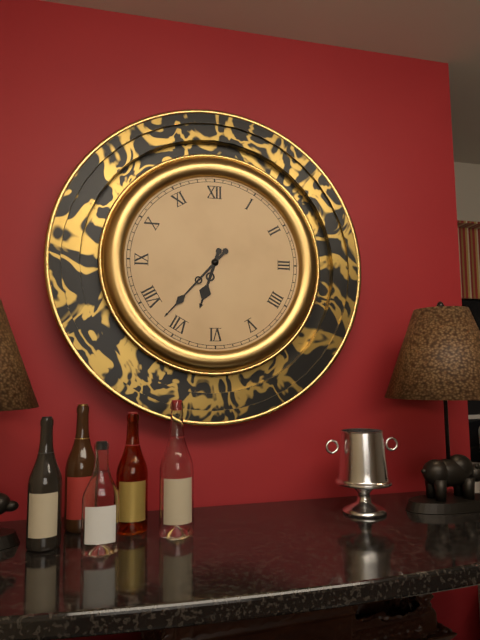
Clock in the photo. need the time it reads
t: 6:37
